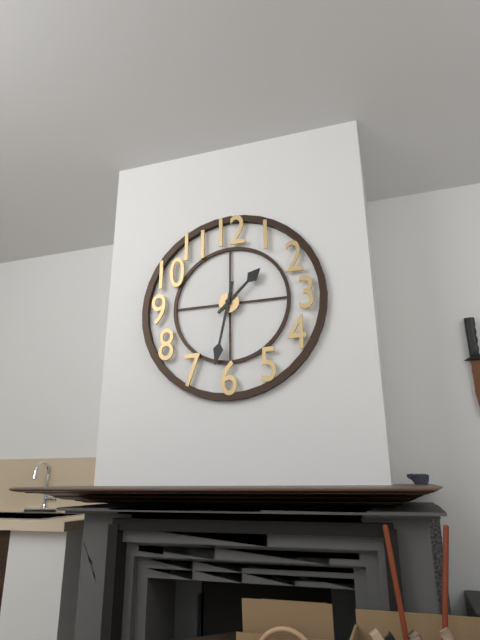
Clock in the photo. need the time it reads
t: 1:32
